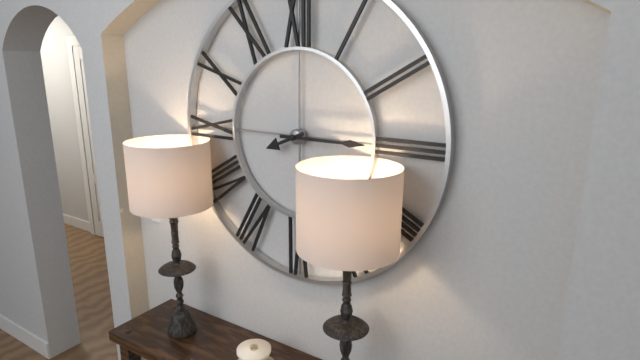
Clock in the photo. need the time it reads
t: 8:15
